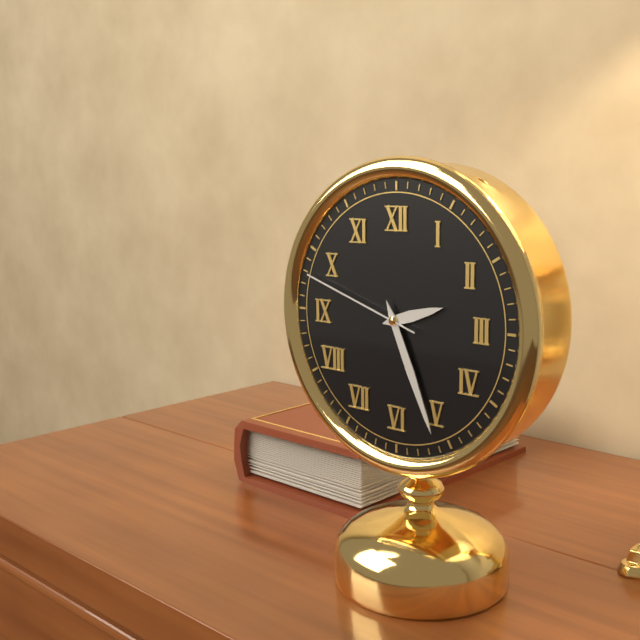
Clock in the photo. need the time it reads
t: 2:26:48
